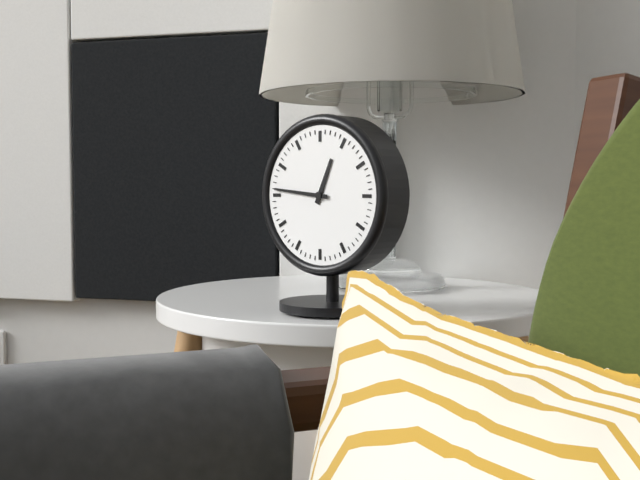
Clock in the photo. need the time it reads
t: 12:46
